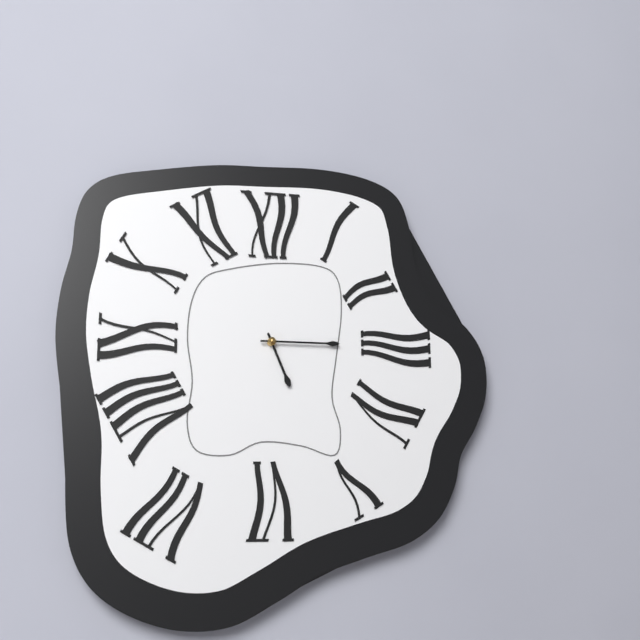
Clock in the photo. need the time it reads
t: 5:15
